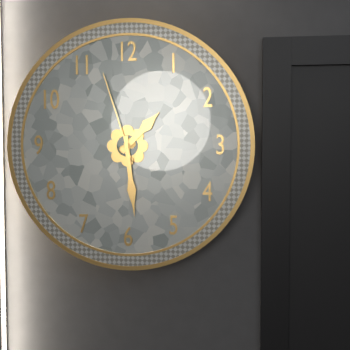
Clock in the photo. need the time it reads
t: 1:29:57
